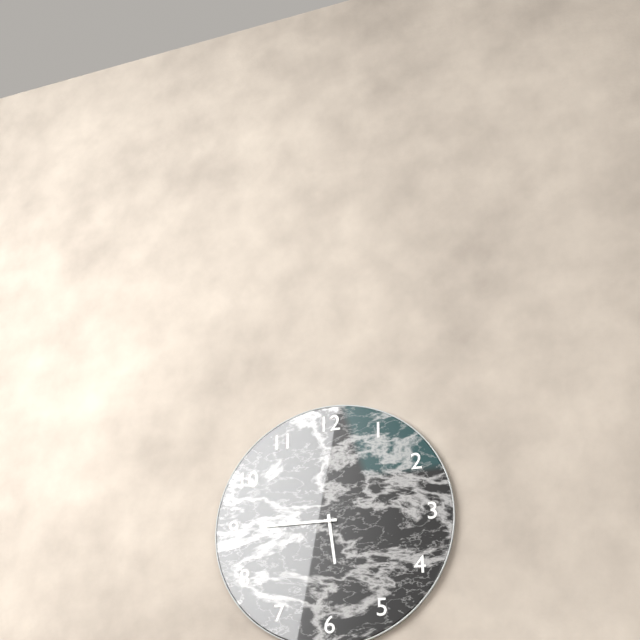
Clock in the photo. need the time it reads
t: 5:45
